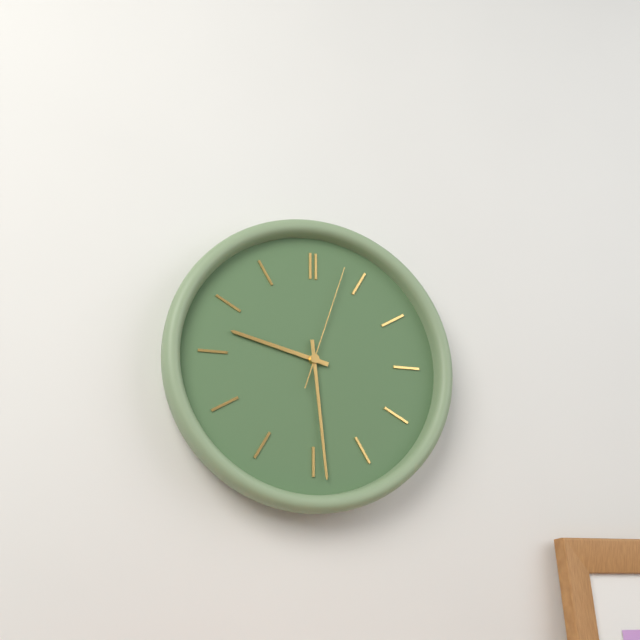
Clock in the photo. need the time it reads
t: 9:29:03
